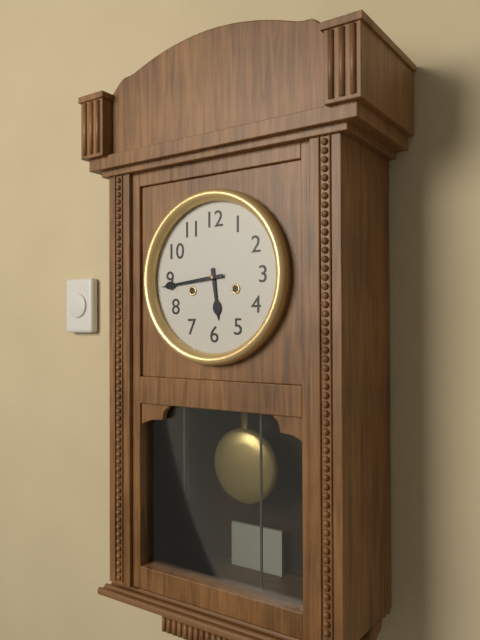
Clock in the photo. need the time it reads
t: 5:44
